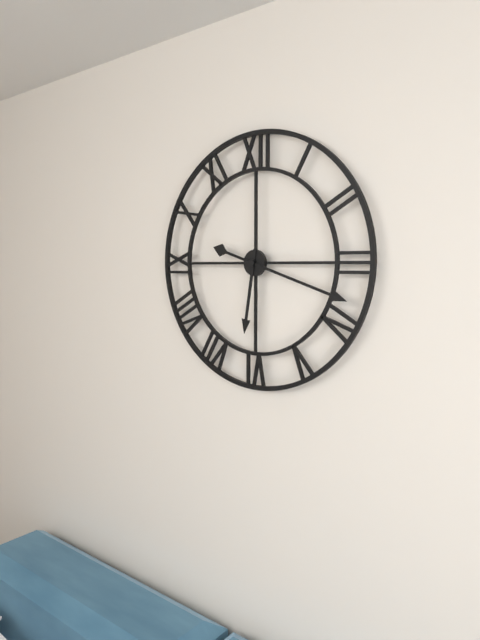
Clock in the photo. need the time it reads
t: 6:18
